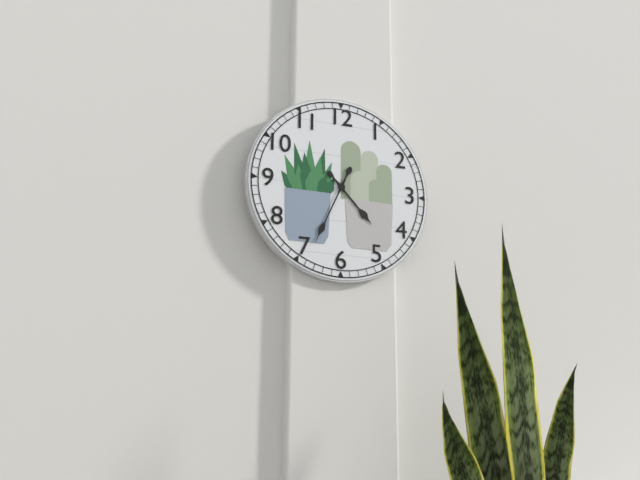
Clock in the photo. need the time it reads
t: 4:34
